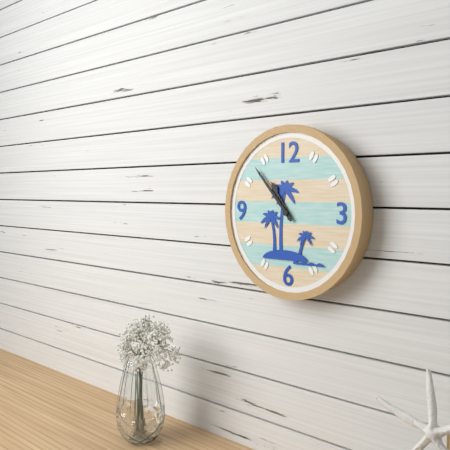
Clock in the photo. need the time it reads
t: 10:53
